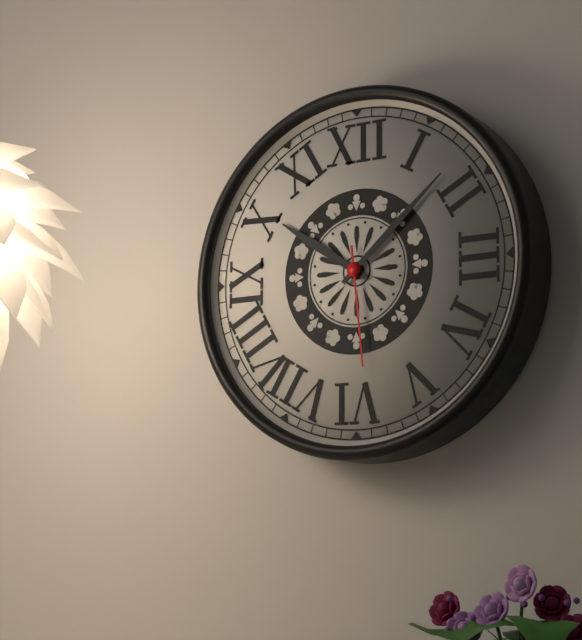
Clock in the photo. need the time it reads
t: 10:08:29
